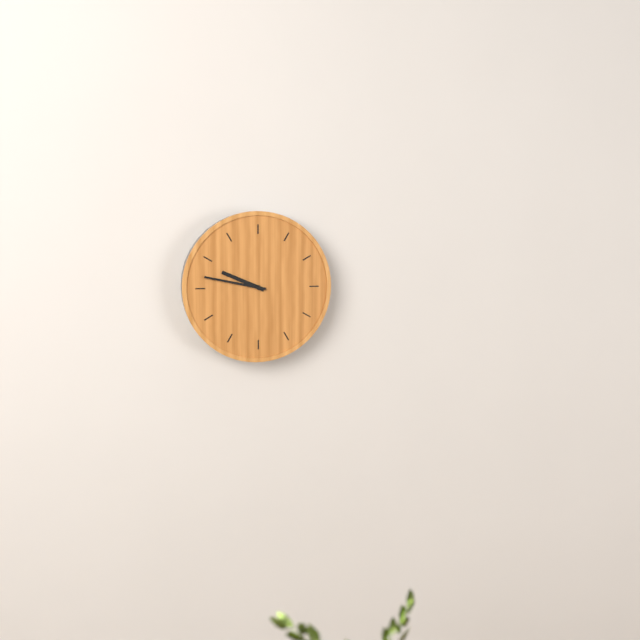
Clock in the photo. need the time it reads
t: 9:47
